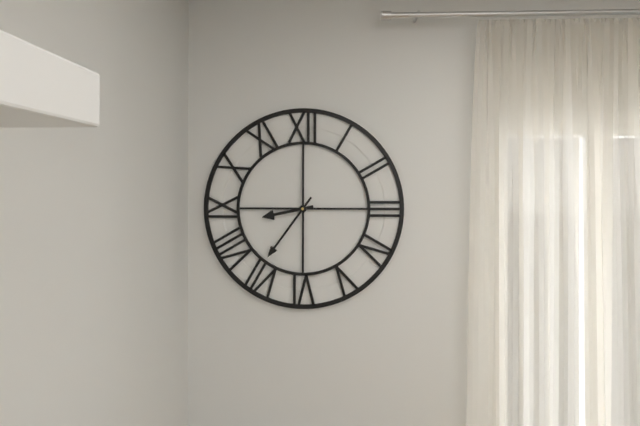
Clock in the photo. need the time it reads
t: 8:36
